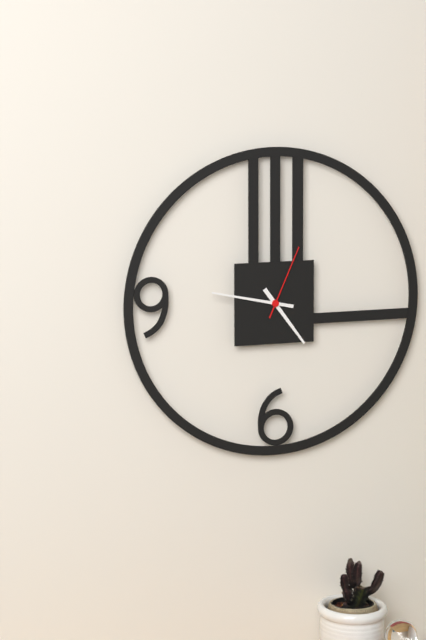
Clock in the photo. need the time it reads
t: 4:47:04
